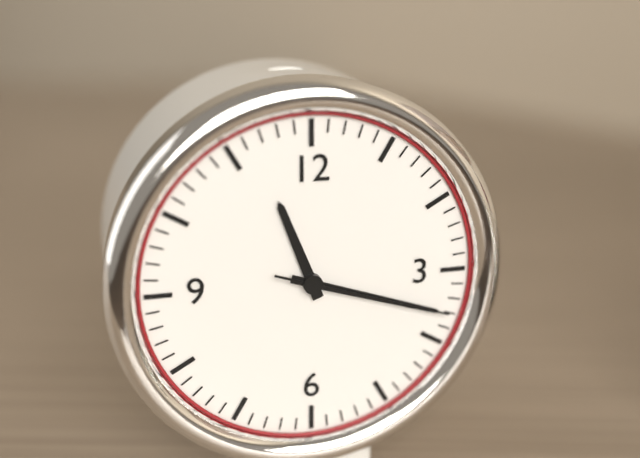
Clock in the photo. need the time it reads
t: 11:18:18
